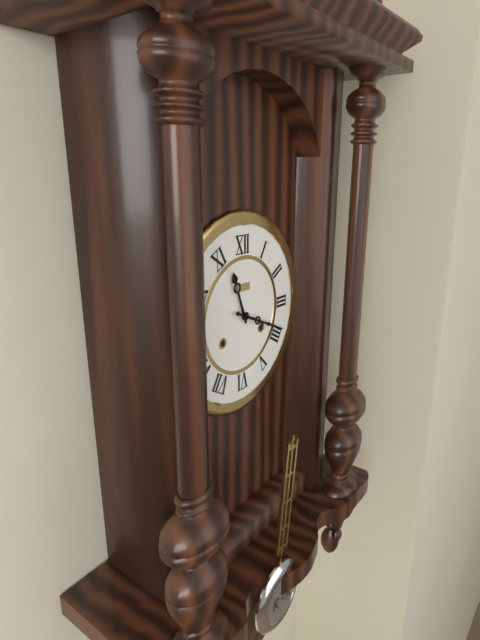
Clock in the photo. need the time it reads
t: 11:19
